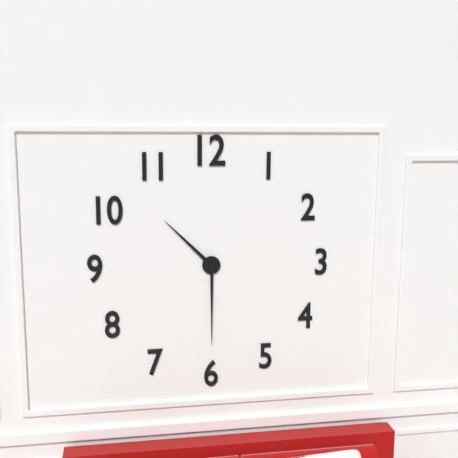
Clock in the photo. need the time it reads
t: 10:30
